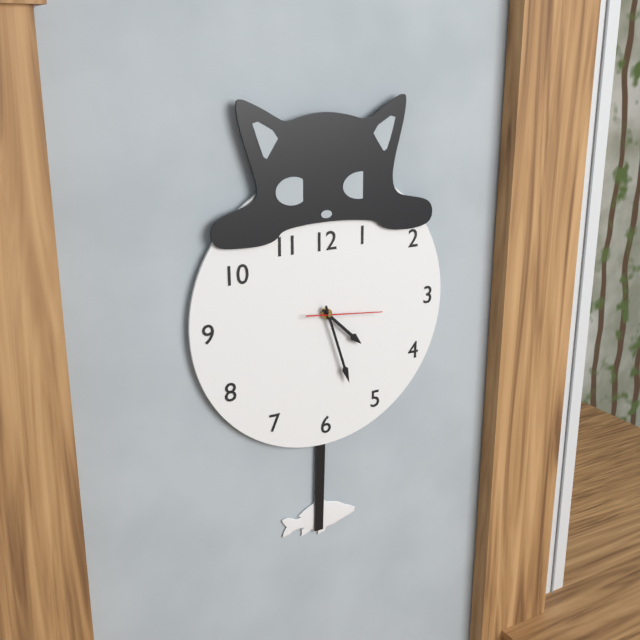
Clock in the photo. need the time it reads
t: 4:27:16
